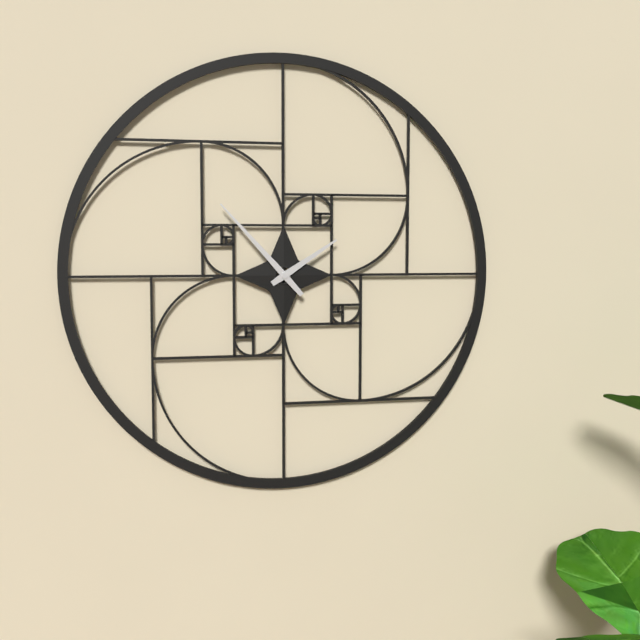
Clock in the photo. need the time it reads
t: 1:53
